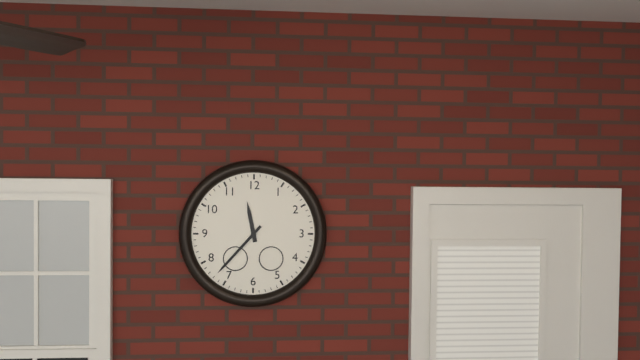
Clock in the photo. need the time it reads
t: 11:37
